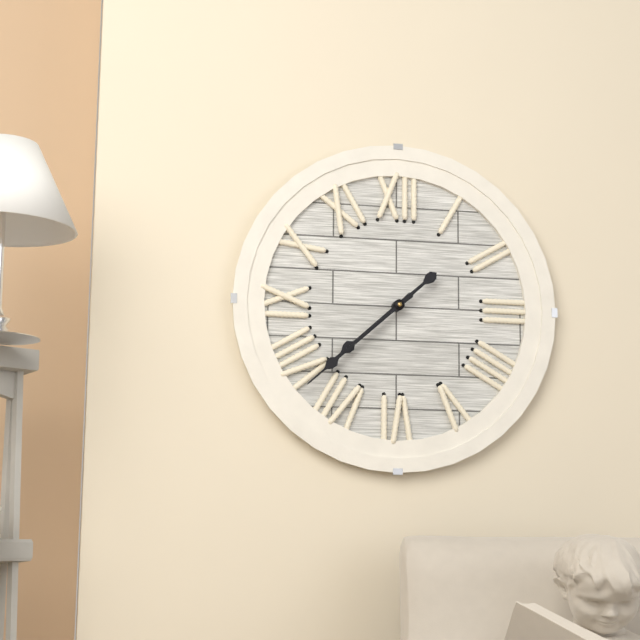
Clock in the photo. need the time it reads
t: 7:38
